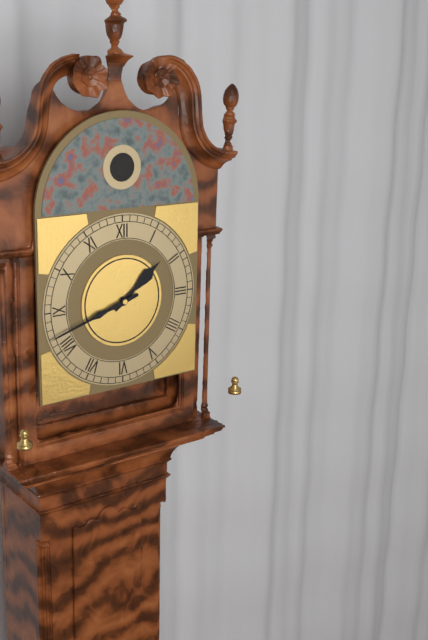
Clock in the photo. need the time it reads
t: 1:42
